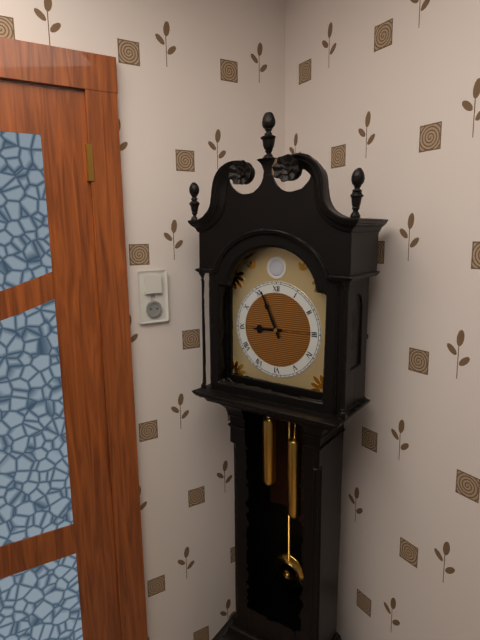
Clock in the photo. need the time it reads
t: 8:56
